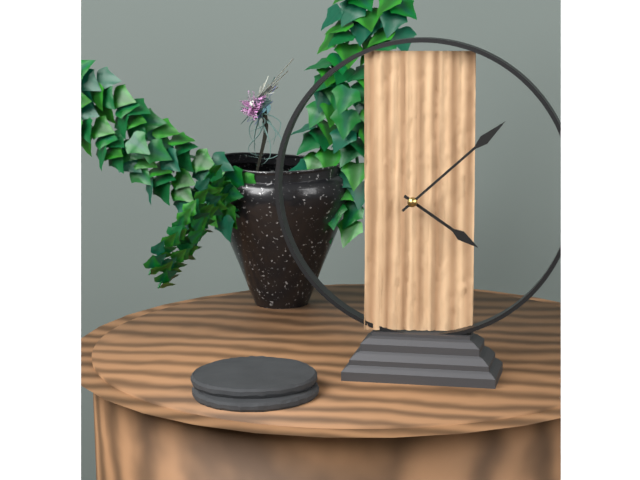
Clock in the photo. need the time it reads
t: 4:08
